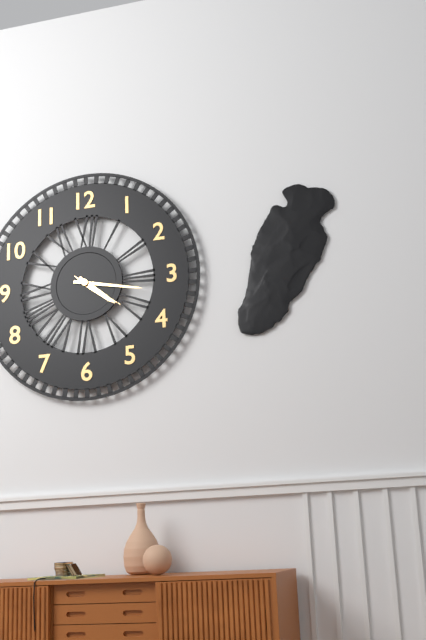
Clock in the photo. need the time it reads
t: 4:17:21
